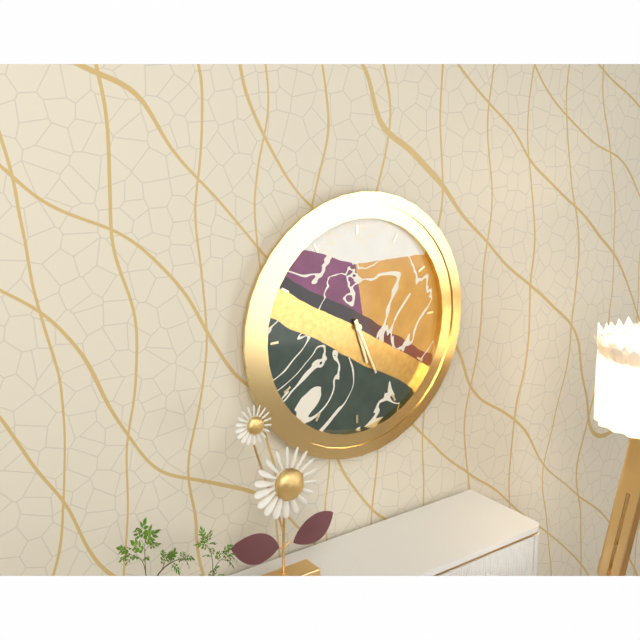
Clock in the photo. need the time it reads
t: 5:26
